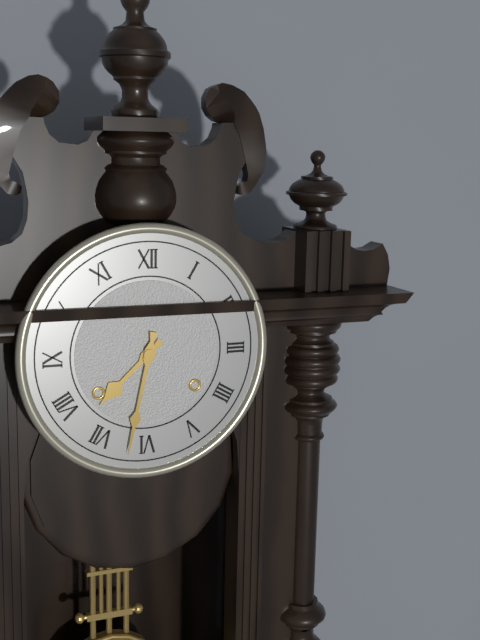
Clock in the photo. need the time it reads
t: 7:32
